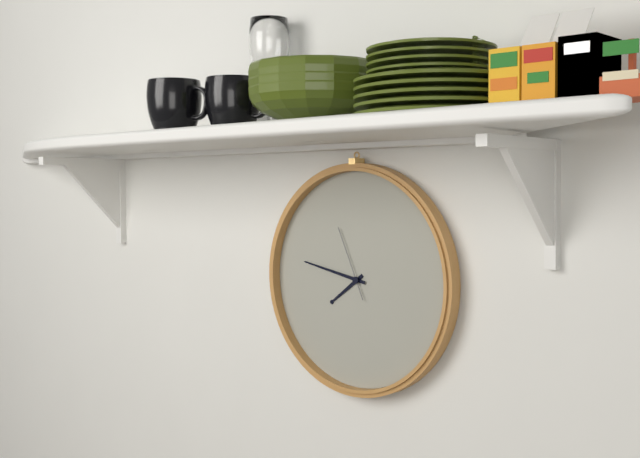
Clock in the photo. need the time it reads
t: 7:47:56
